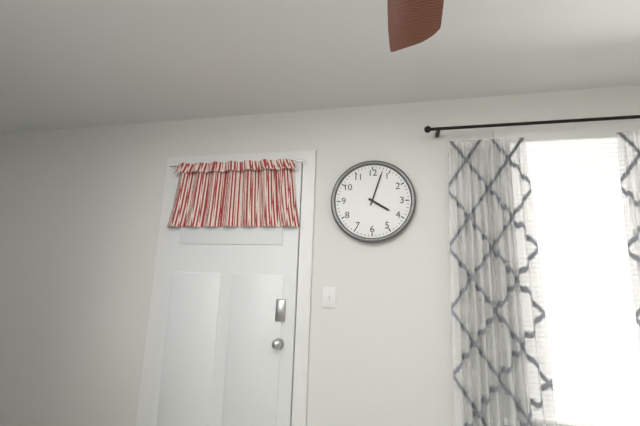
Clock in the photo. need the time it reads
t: 4:03
